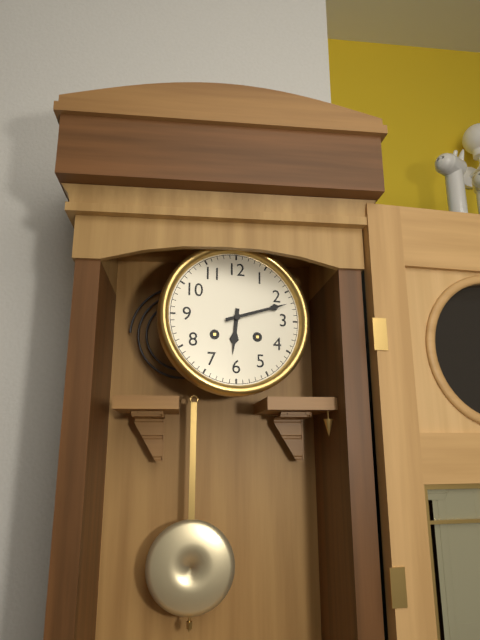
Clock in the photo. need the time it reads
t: 6:12
